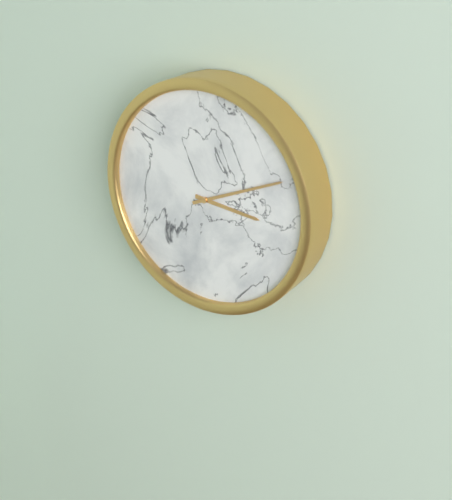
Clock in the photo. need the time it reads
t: 3:11
